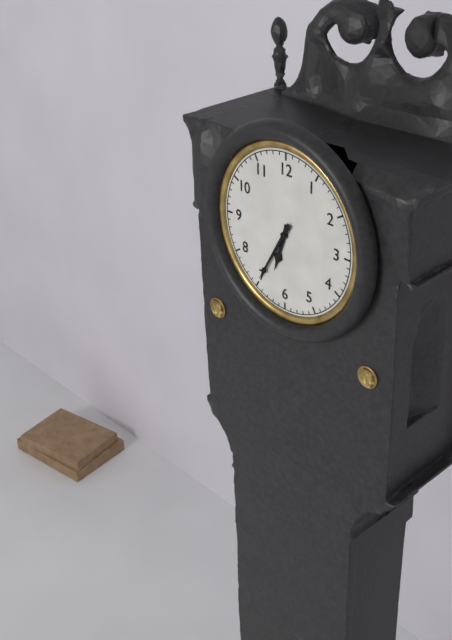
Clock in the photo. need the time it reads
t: 6:35
